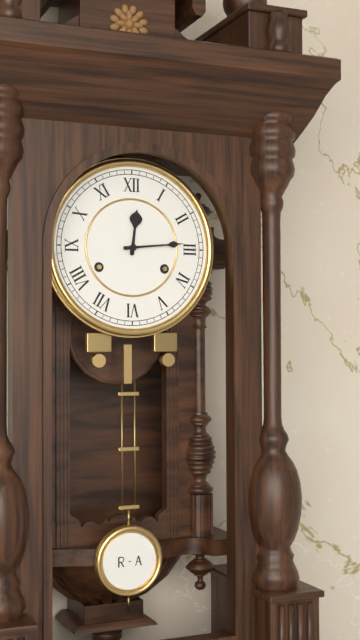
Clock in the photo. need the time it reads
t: 12:14
